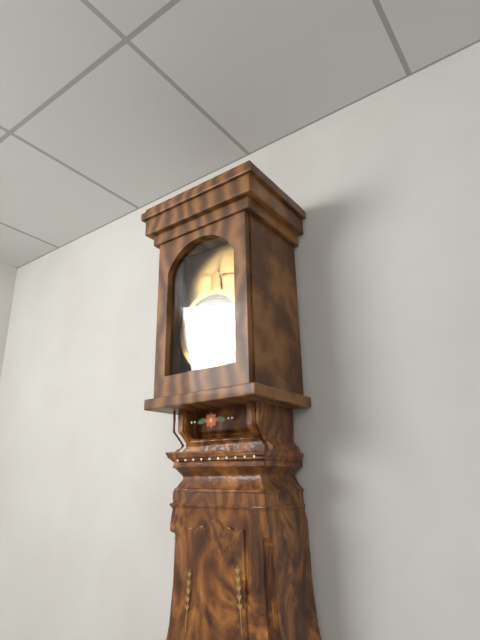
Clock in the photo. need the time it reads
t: 1:17
